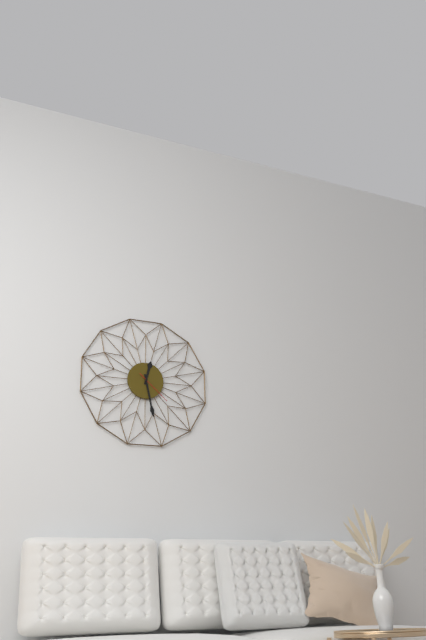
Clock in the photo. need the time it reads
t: 12:28
